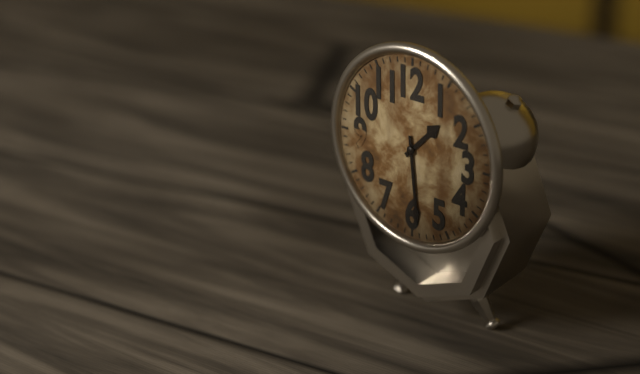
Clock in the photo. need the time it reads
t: 1:29
